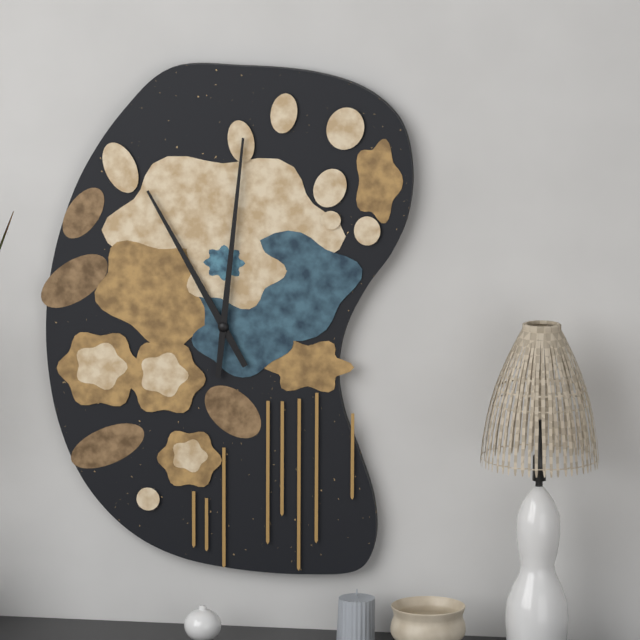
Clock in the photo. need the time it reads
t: 11:01
